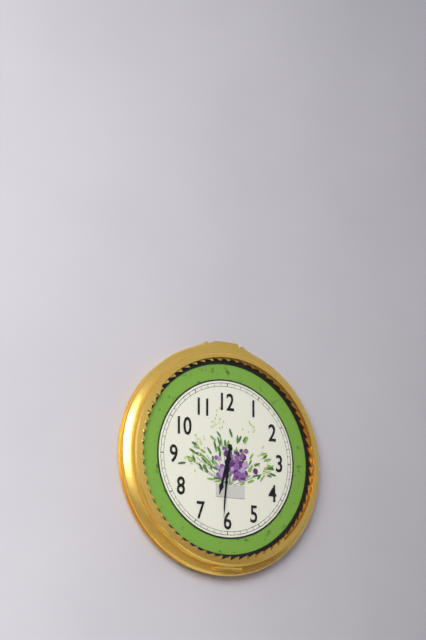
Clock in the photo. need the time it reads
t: 6:31:31
